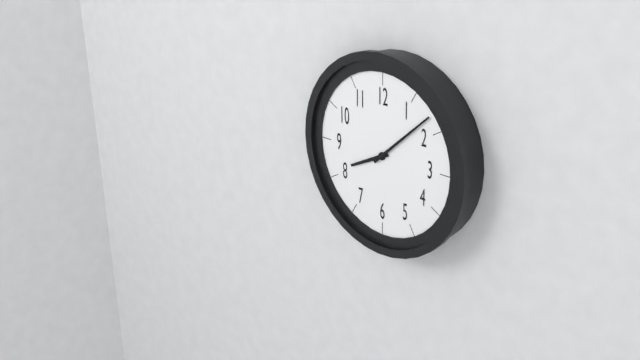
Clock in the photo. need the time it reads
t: 8:08
